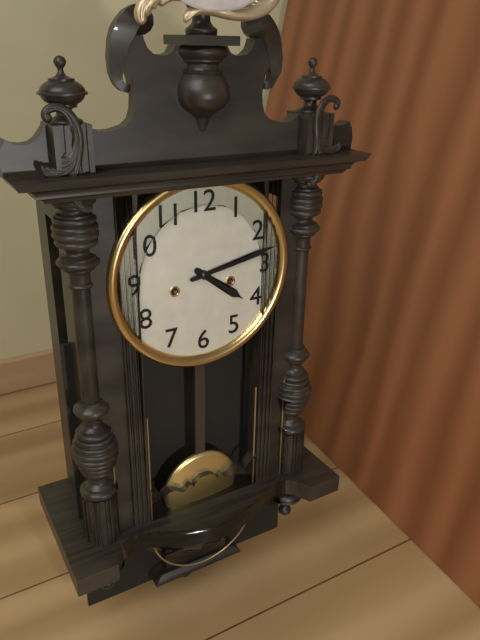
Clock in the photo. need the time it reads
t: 4:13
